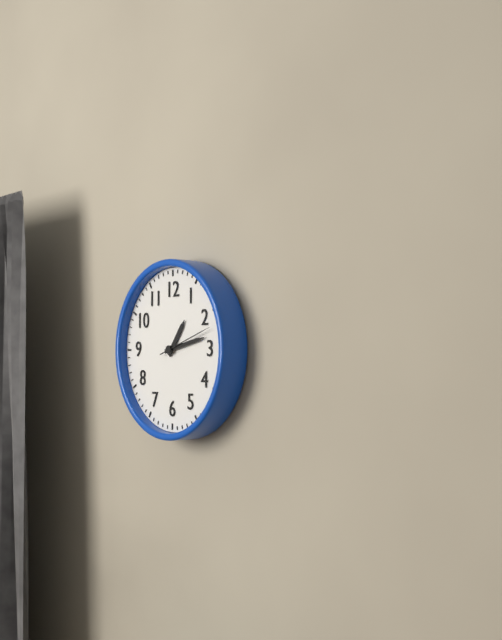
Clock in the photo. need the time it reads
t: 1:13:12
